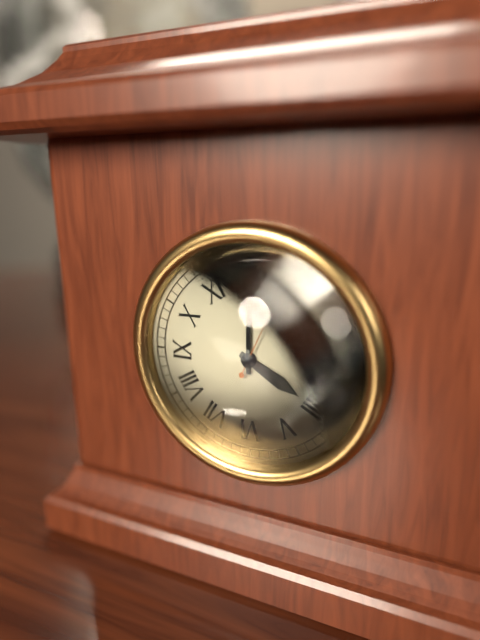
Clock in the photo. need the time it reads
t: 4:00:04
